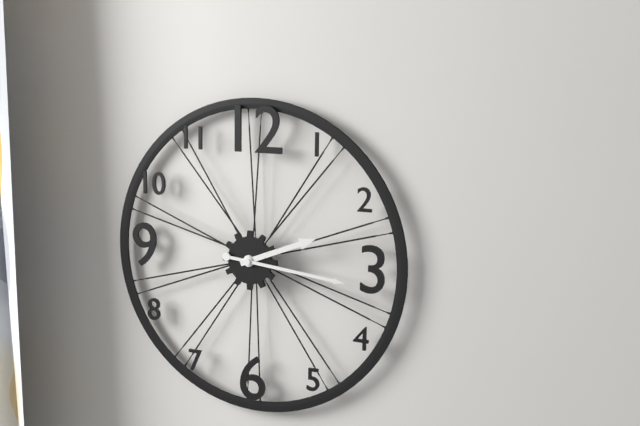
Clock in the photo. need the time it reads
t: 2:16
